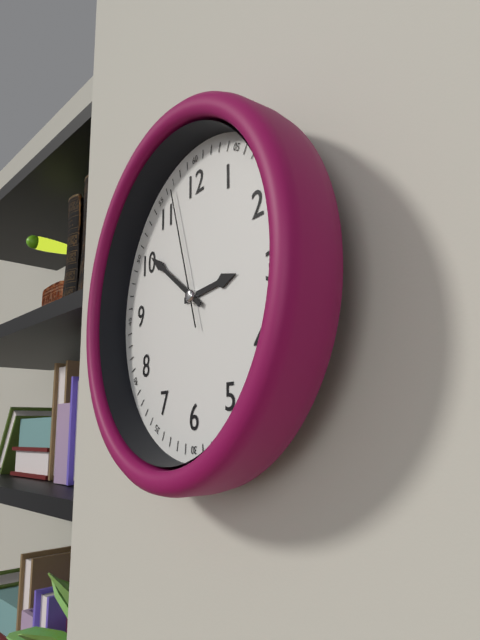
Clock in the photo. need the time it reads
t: 2:51:57
